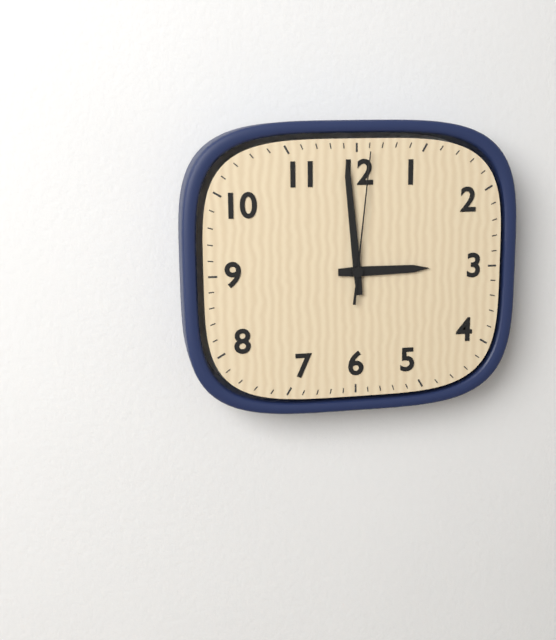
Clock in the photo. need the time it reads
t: 2:59:01
